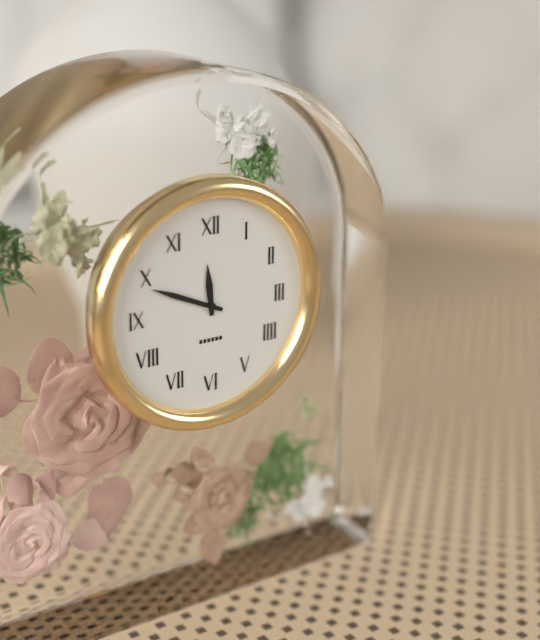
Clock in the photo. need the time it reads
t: 11:49
